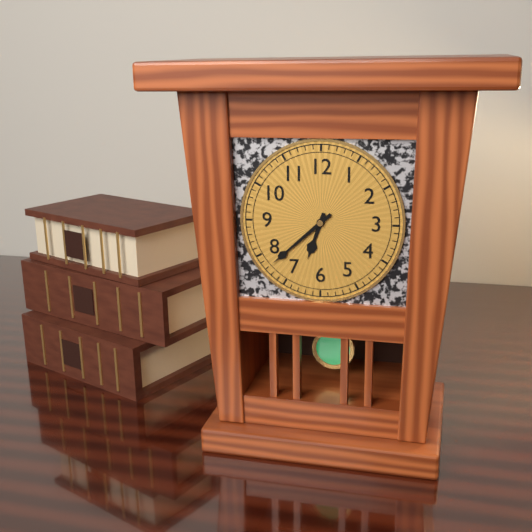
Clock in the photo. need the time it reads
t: 6:38
